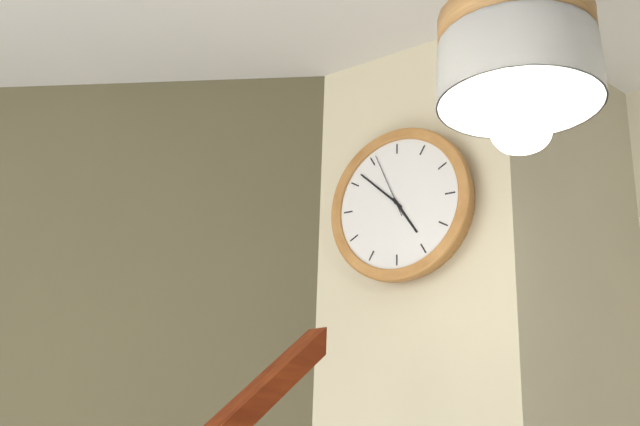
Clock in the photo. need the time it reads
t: 4:52:56
